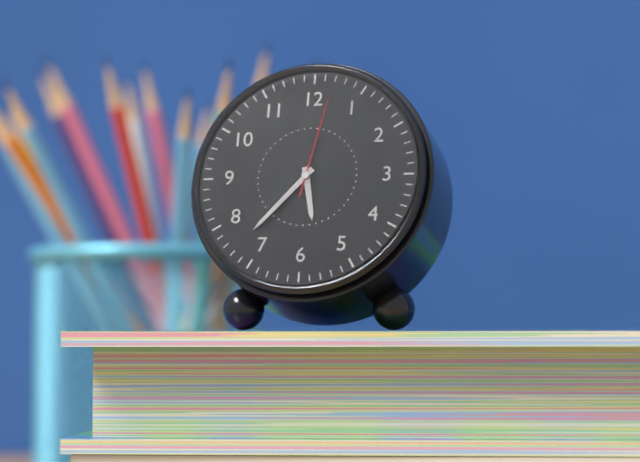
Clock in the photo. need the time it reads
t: 5:37:02
